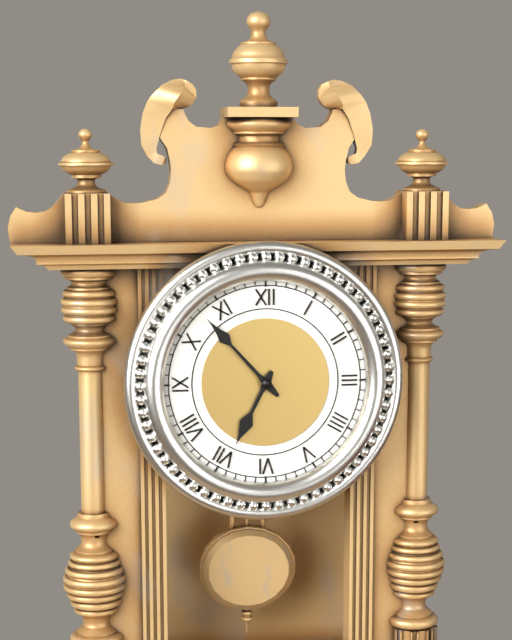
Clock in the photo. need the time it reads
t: 6:53
